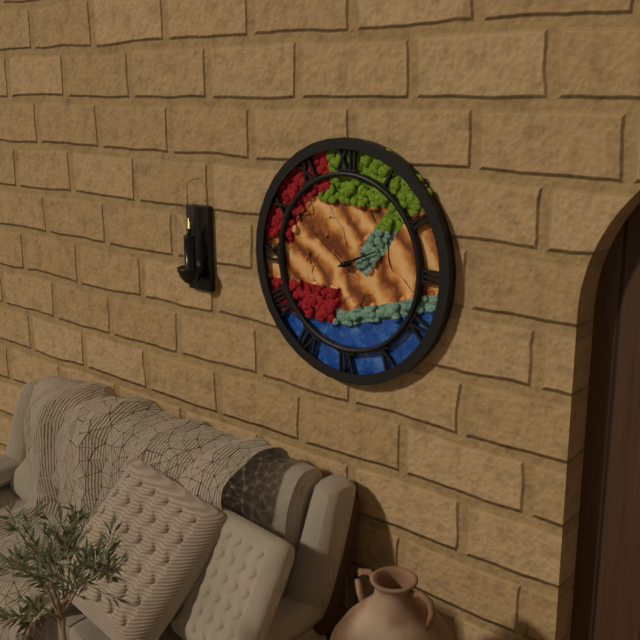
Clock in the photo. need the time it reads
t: 2:11:51
